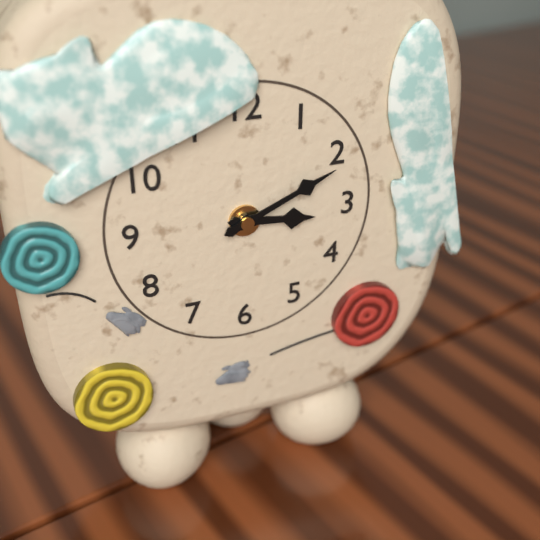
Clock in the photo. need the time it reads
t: 3:11
